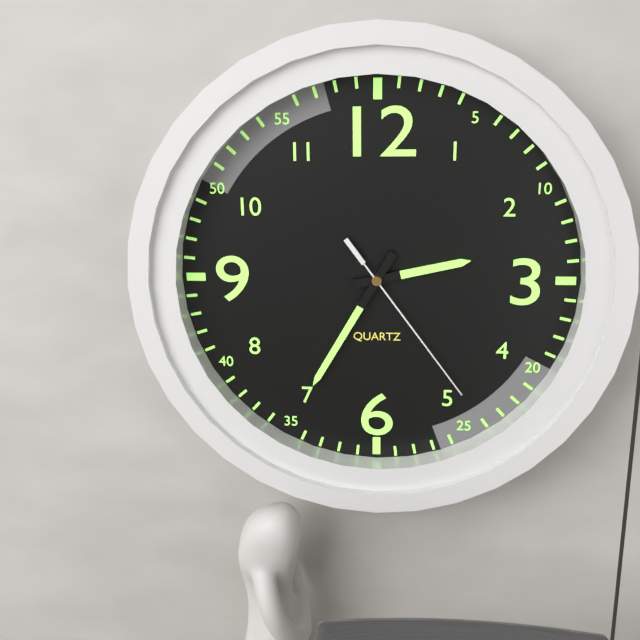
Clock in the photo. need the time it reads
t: 2:35:24
